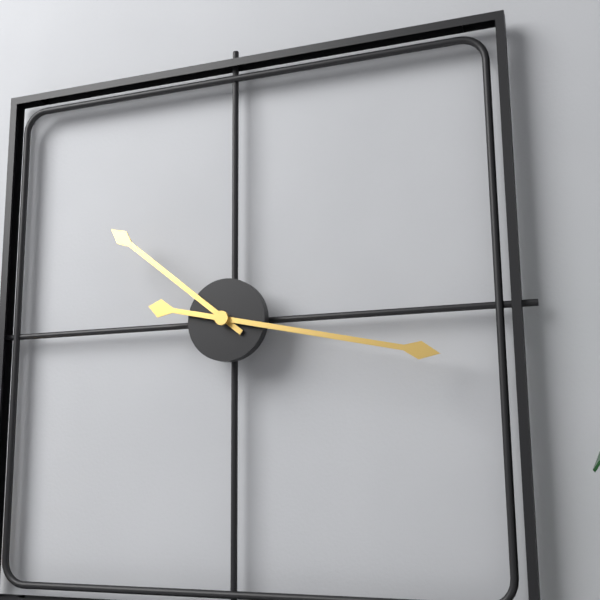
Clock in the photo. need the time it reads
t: 10:17
